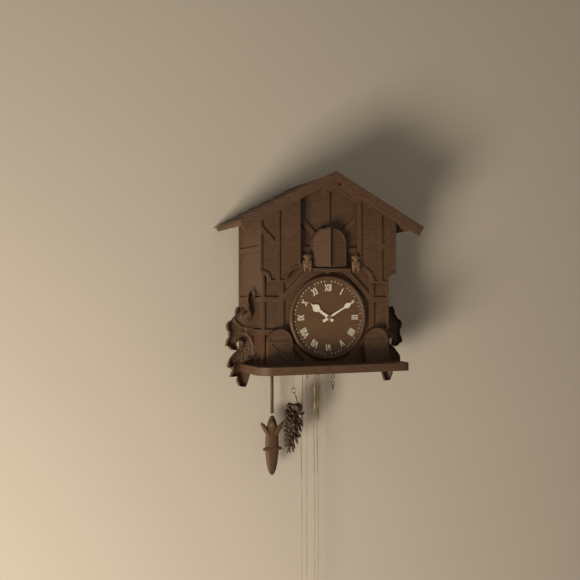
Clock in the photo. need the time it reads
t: 10:10
